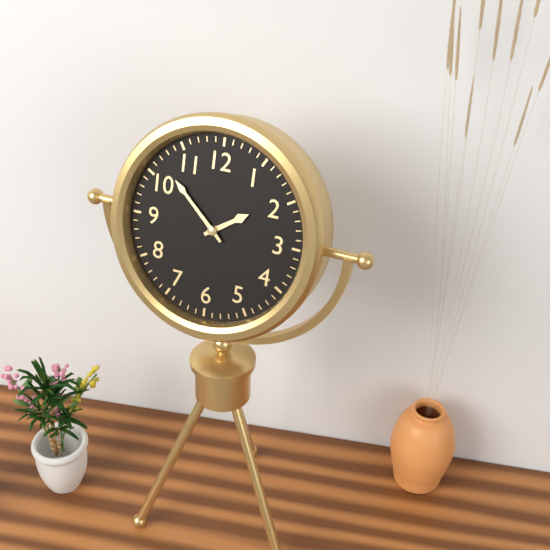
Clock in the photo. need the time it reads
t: 1:52
